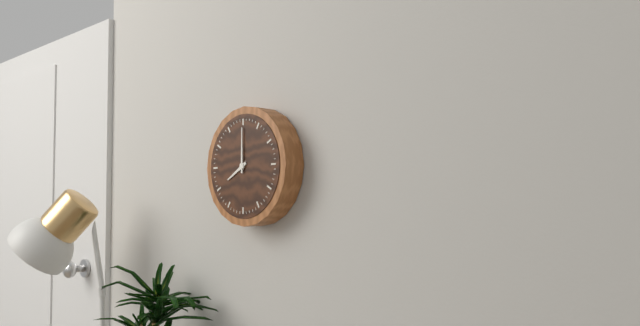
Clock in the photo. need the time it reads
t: 8:00
